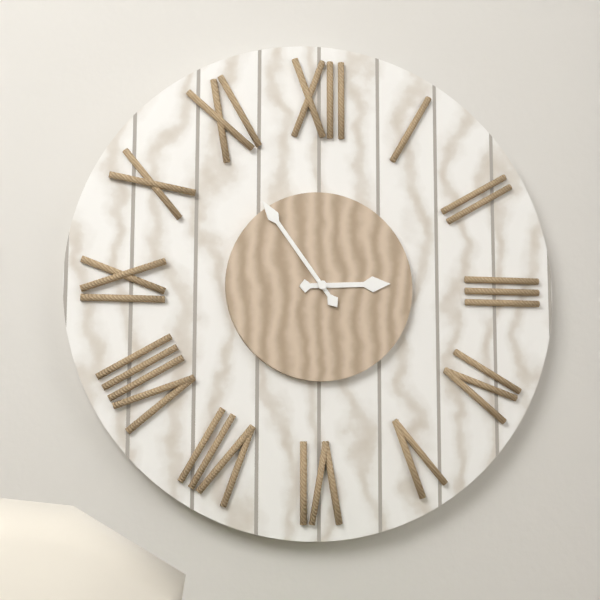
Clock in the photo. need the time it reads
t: 2:54
